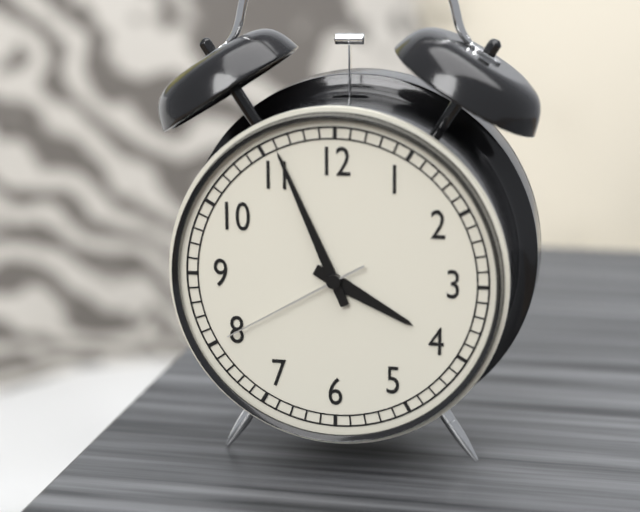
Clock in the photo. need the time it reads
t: 3:56:40
